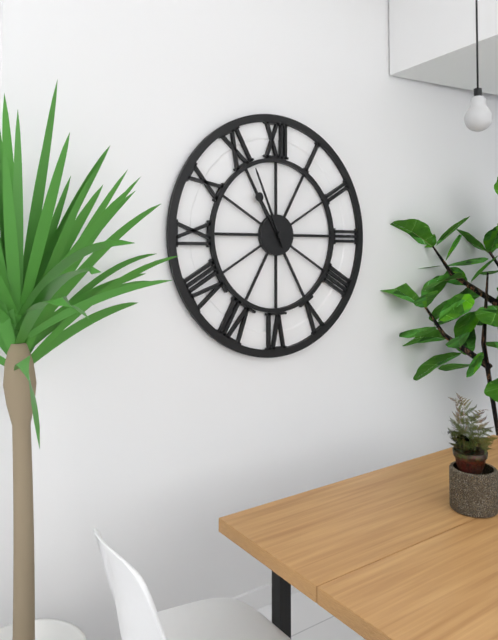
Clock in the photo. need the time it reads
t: 10:56
